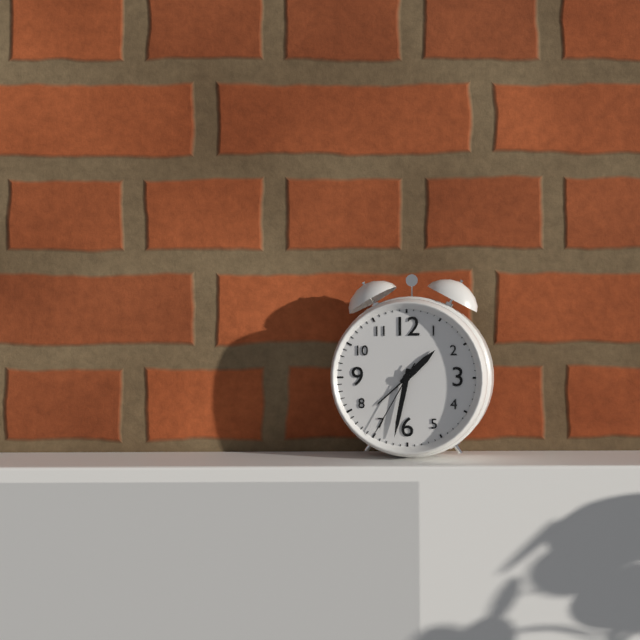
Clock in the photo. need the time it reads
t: 1:32:35
